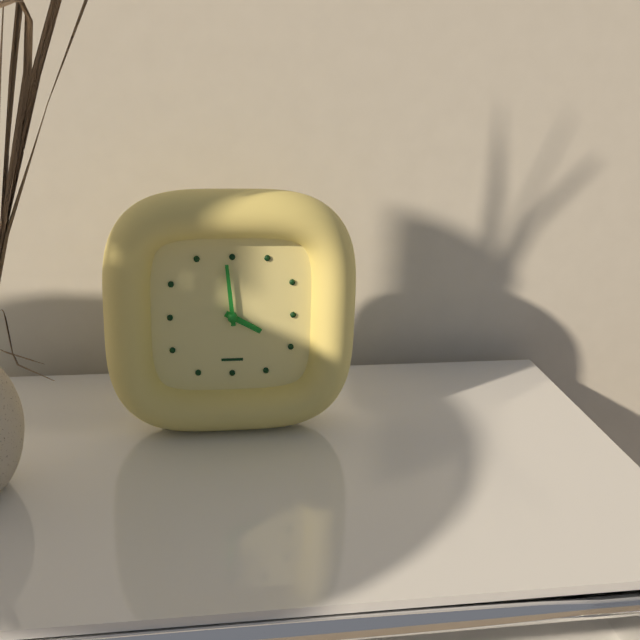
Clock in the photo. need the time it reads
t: 3:59
